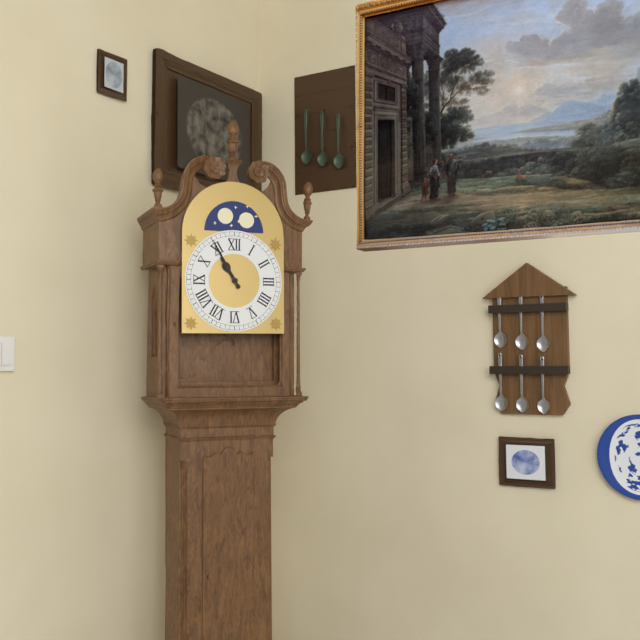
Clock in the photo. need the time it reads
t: 10:55
